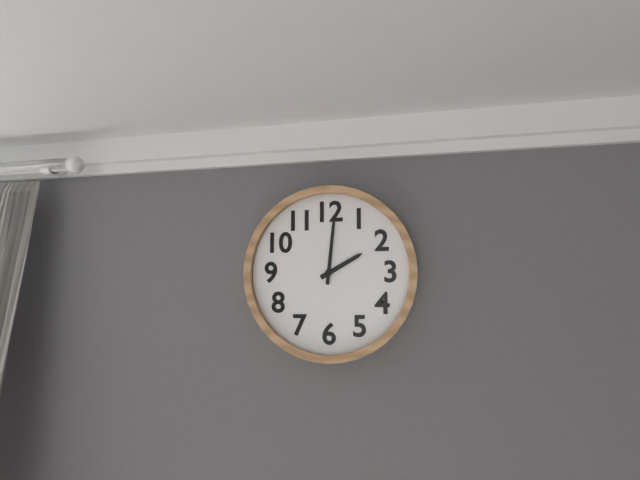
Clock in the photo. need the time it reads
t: 2:01
